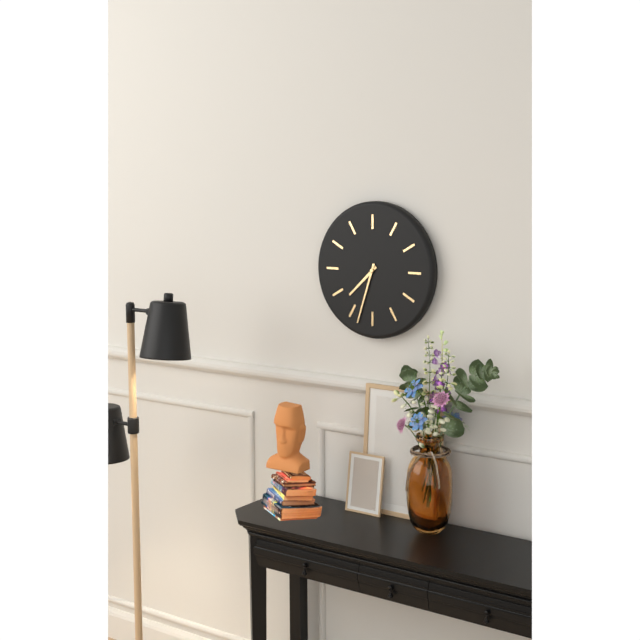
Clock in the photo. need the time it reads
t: 7:33
